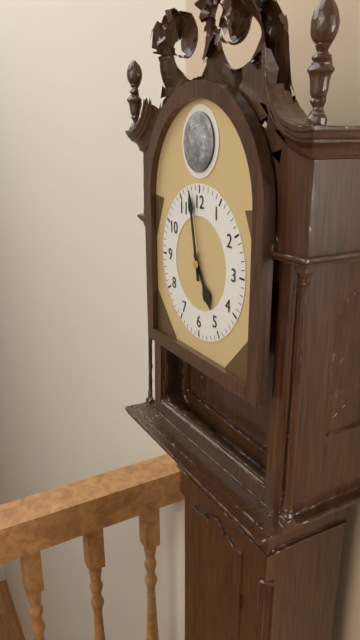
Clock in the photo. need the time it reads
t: 4:58
